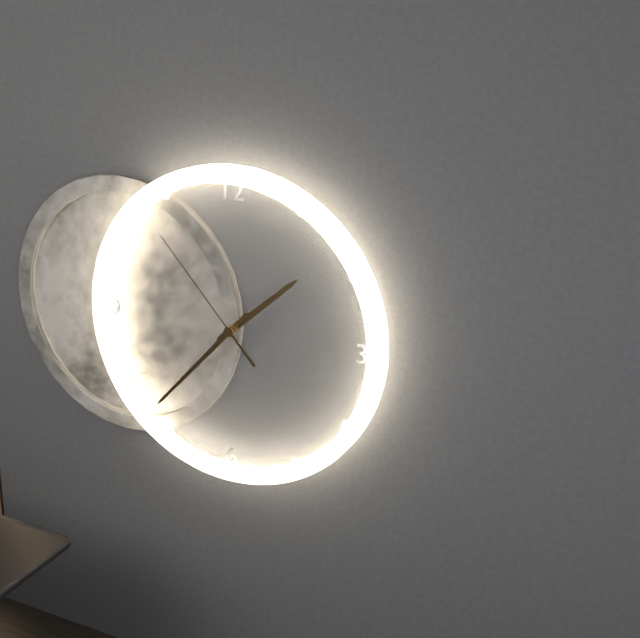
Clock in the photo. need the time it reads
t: 1:37:53
